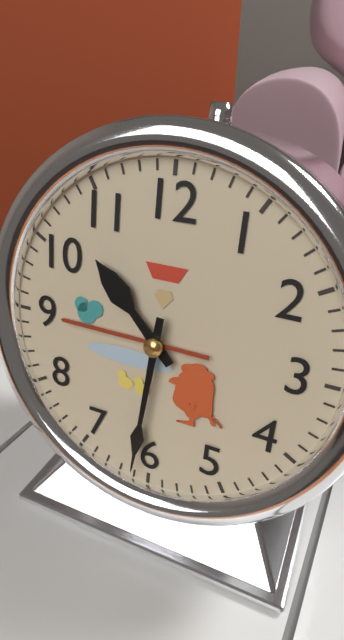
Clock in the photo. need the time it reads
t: 10:31
